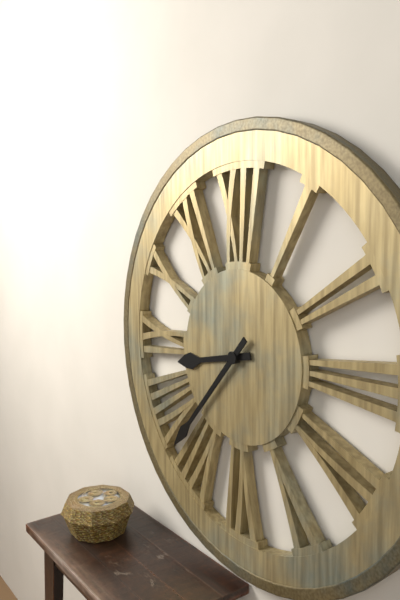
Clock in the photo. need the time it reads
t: 8:37
